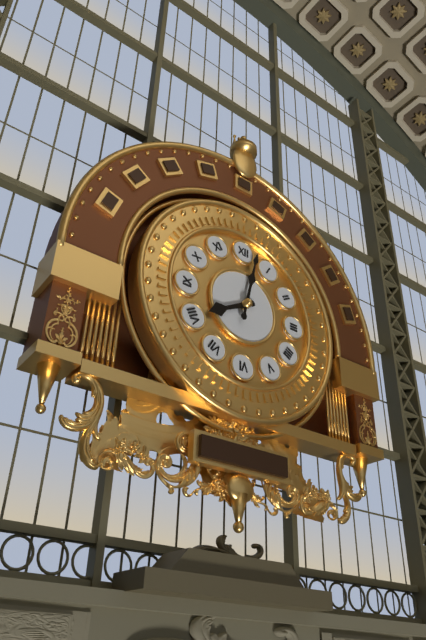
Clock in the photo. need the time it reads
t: 8:02
